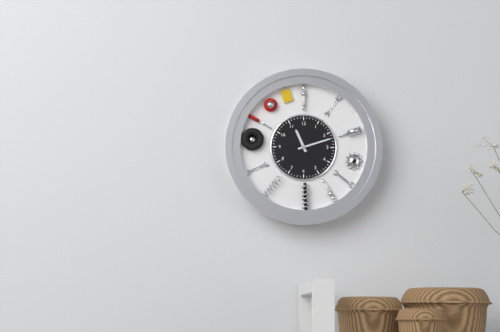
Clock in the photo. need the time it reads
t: 11:12
